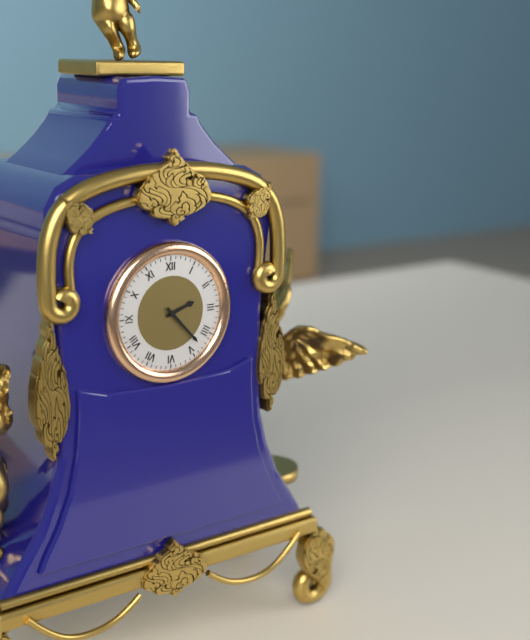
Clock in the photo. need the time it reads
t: 2:23
